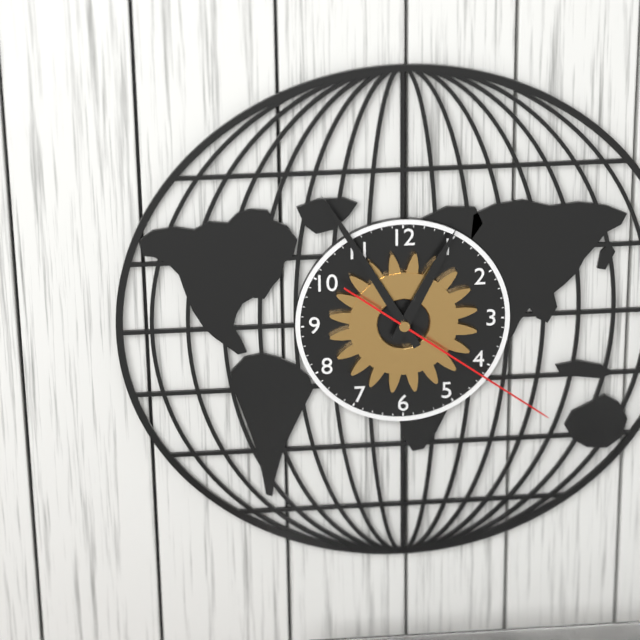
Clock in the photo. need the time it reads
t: 12:55:21
